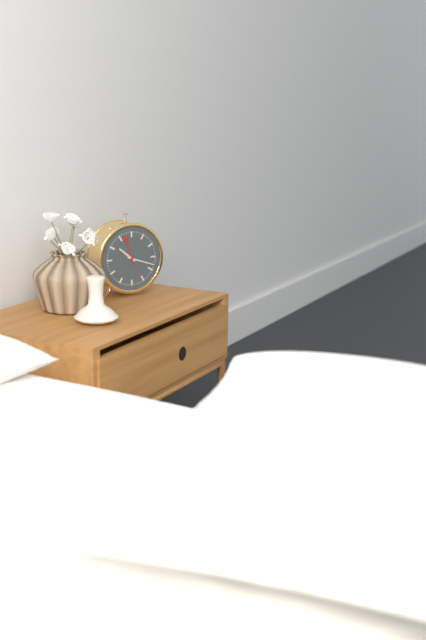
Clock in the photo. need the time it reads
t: 10:18
